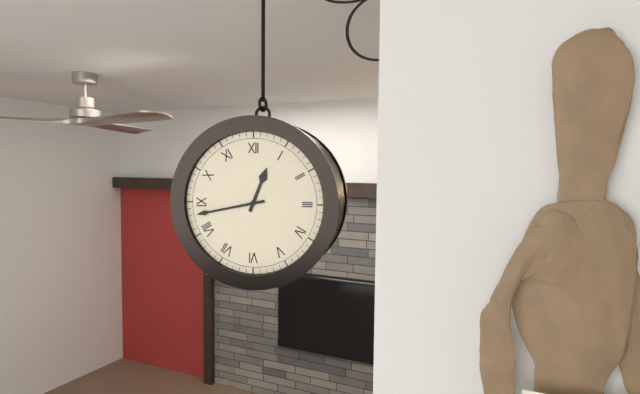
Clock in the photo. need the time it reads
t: 12:43
